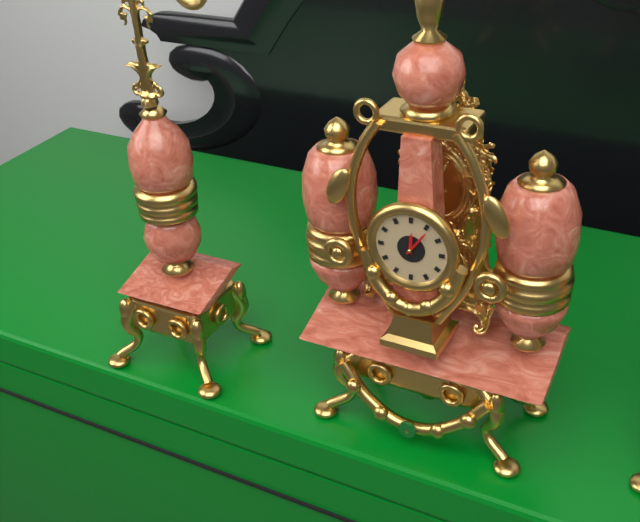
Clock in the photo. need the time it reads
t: 12:06
